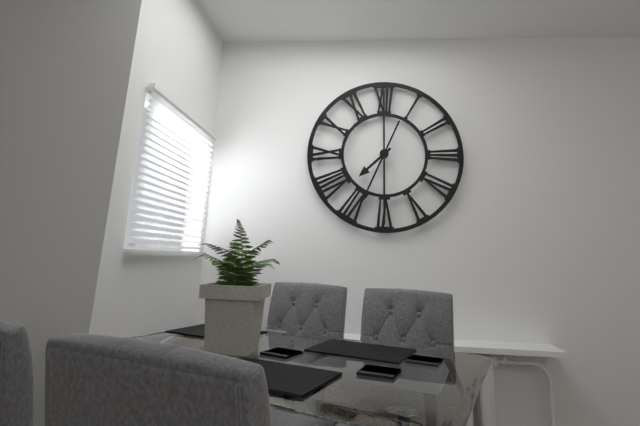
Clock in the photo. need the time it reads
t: 7:34
